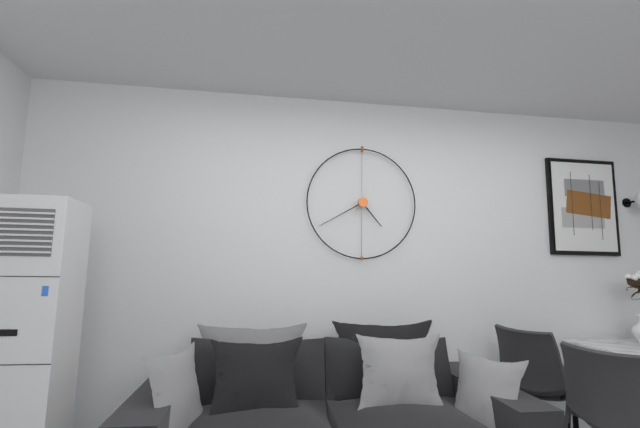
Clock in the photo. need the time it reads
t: 4:40
